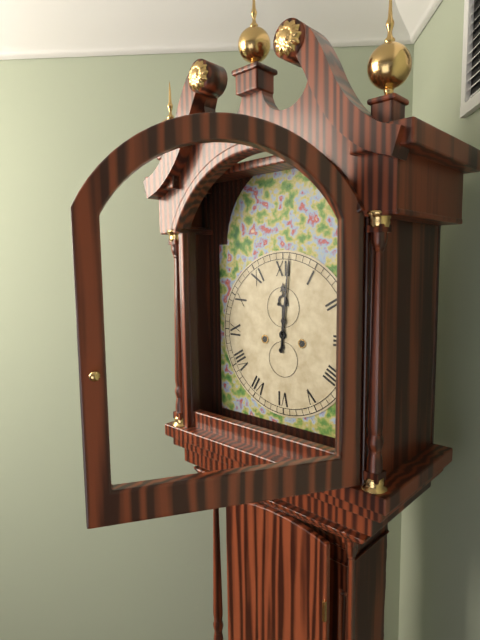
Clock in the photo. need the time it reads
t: 12:01
